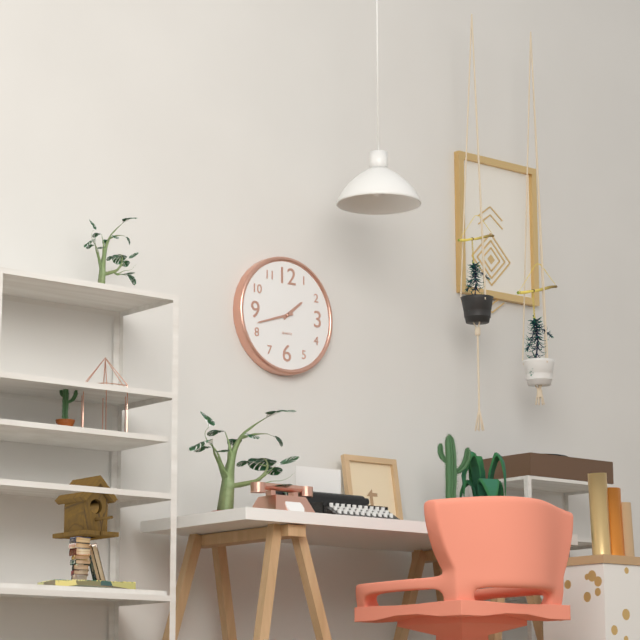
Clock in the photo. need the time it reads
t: 1:42
